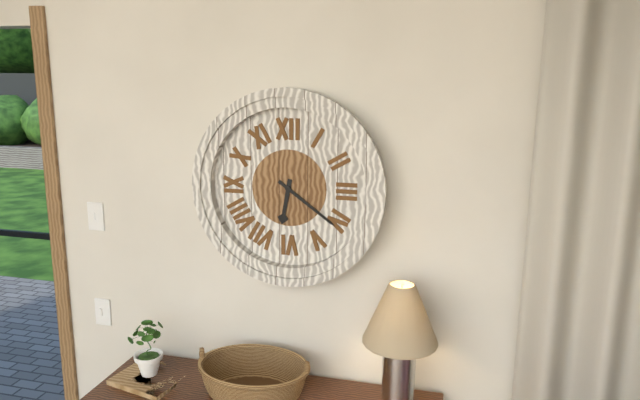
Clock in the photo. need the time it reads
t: 6:21
